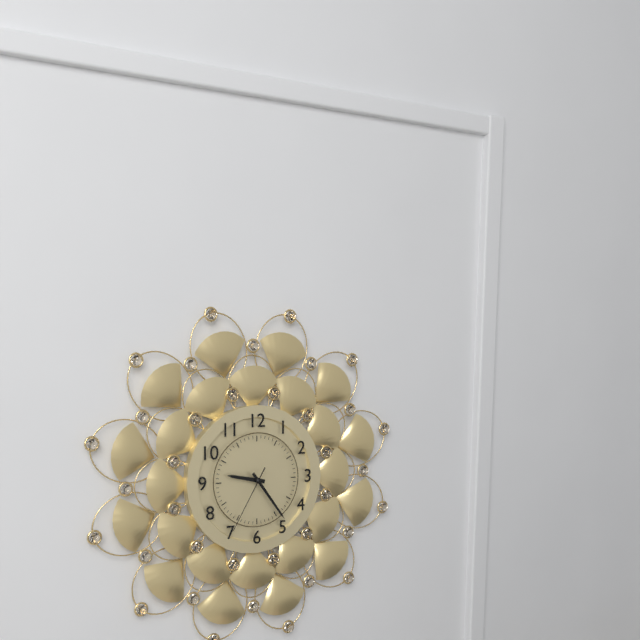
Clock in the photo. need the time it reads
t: 9:24:35
